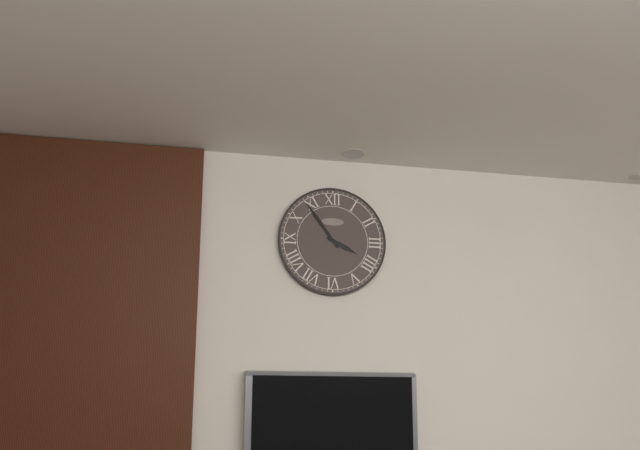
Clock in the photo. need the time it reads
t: 3:54
